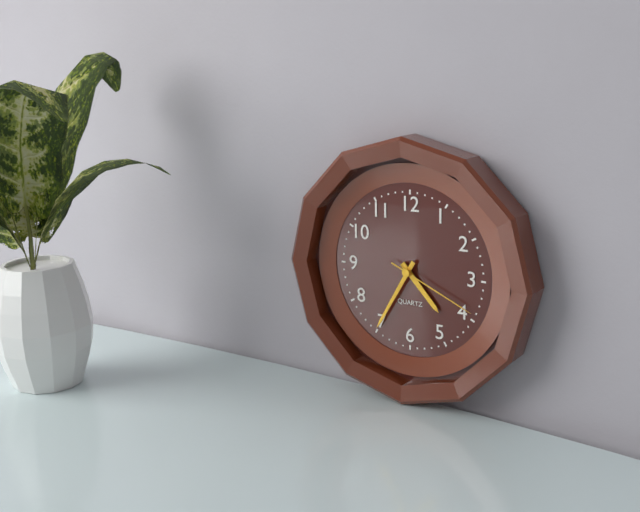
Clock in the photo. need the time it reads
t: 4:35:19
